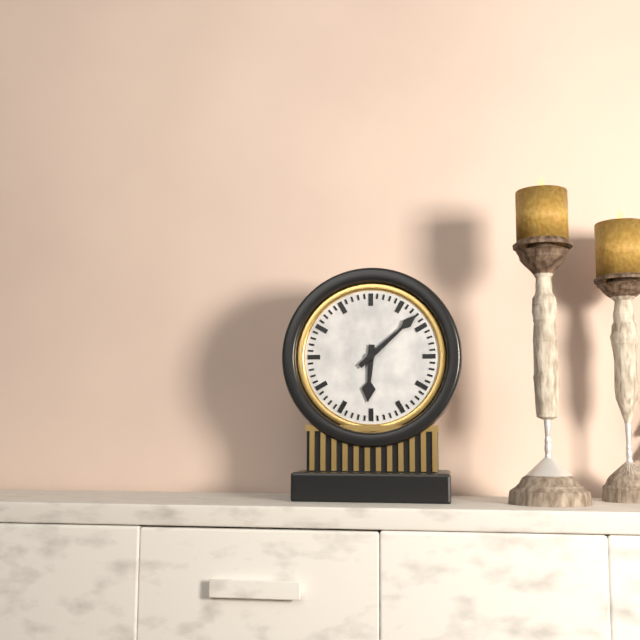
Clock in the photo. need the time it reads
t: 6:08
